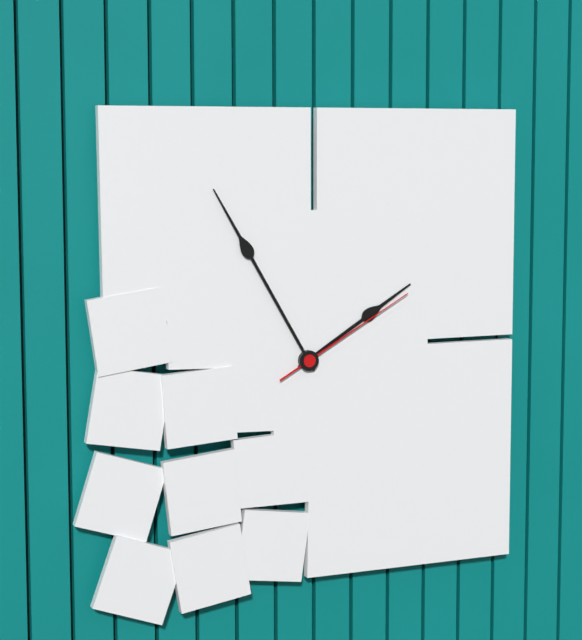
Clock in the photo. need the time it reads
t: 1:55:10
